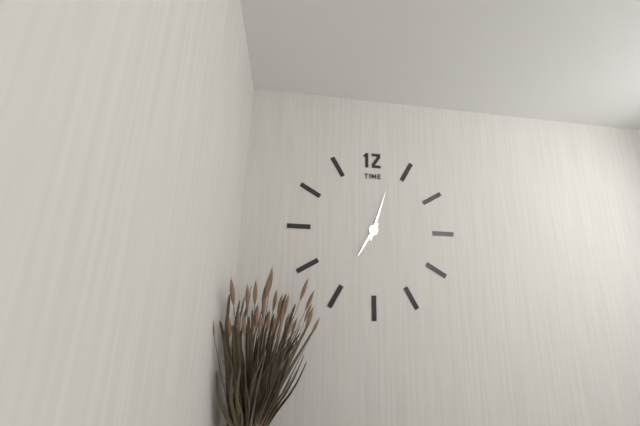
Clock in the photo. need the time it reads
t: 7:03
